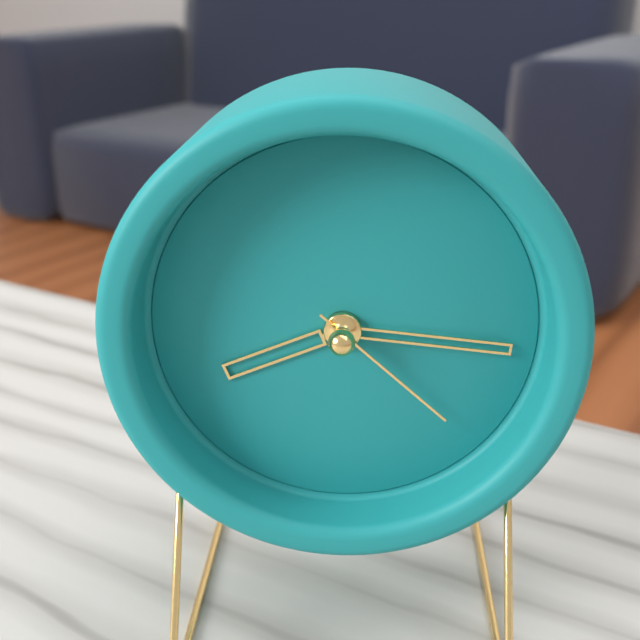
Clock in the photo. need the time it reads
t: 8:16:22
